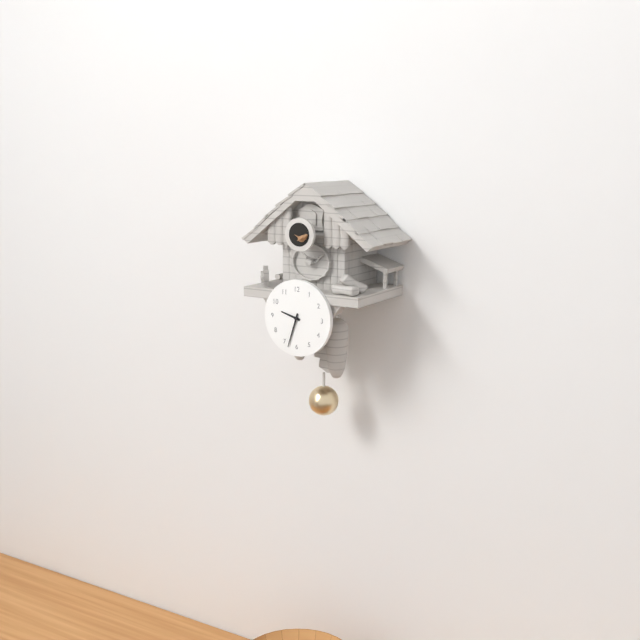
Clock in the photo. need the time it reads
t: 9:33
